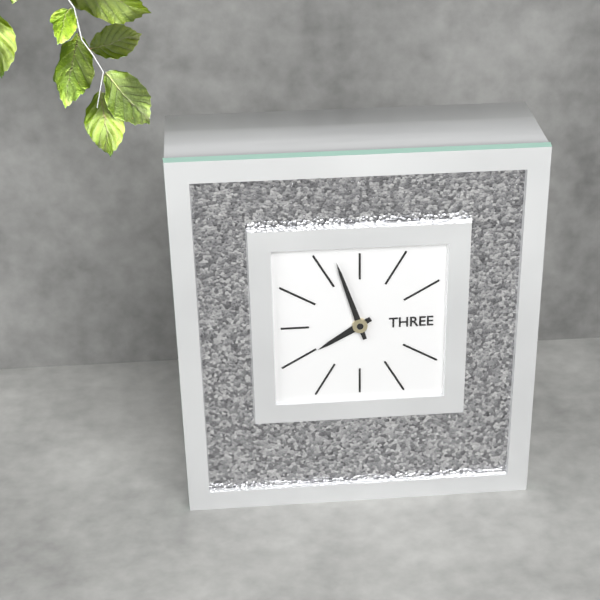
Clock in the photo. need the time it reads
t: 7:57
